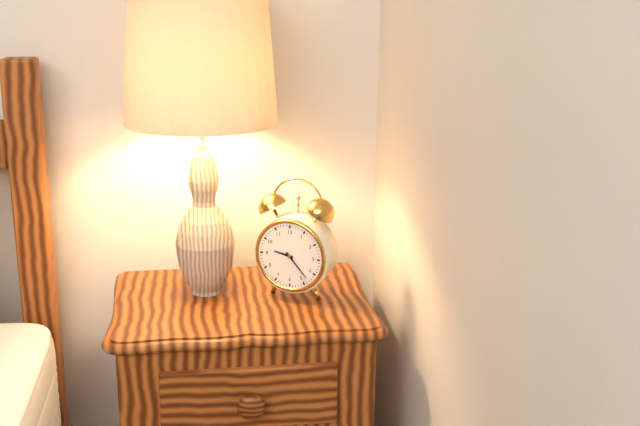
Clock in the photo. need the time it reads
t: 9:23
